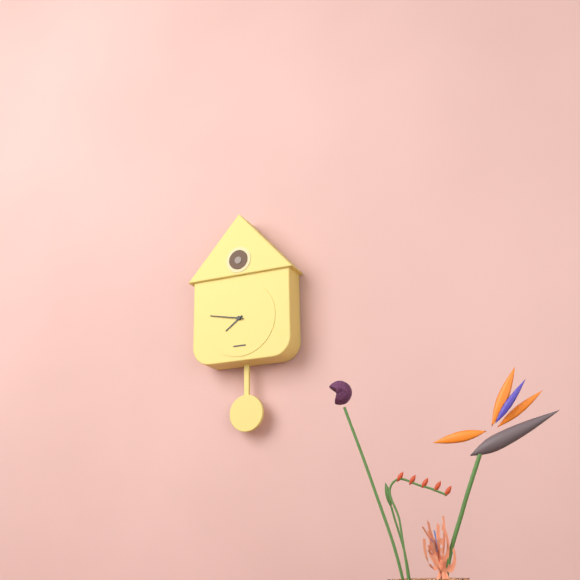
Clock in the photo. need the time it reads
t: 7:47
